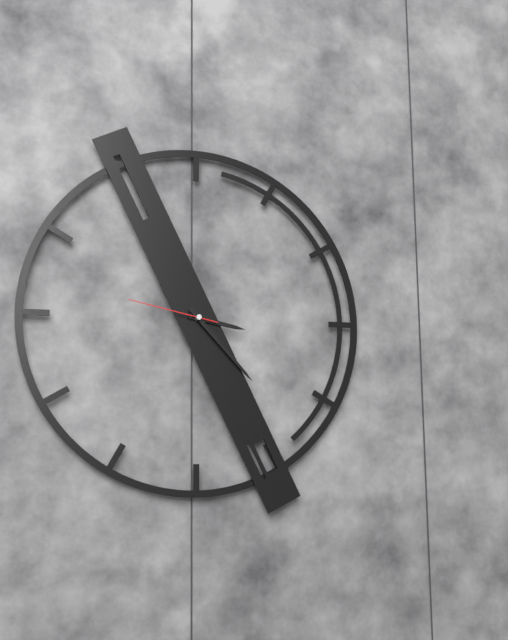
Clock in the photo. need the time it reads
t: 3:23:47
